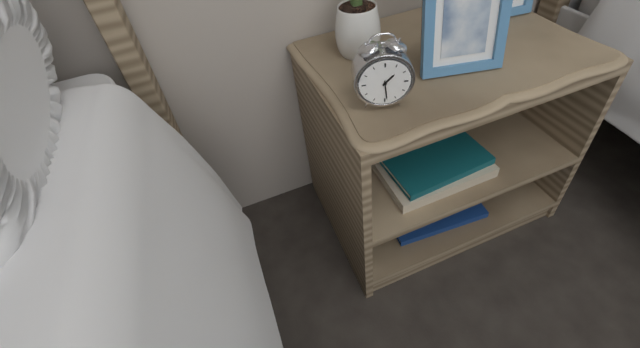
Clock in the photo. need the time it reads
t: 1:29
